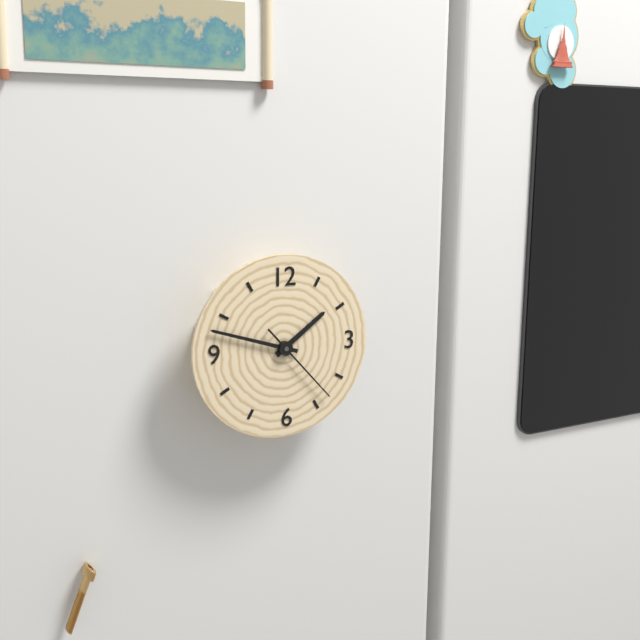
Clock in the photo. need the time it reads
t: 1:48:23
